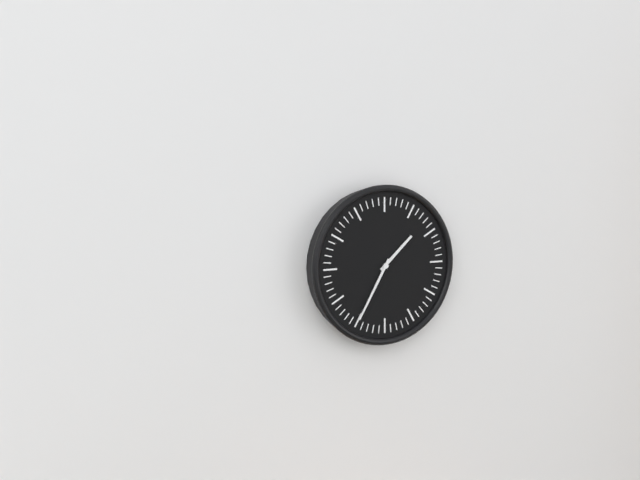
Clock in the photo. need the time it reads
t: 1:35
